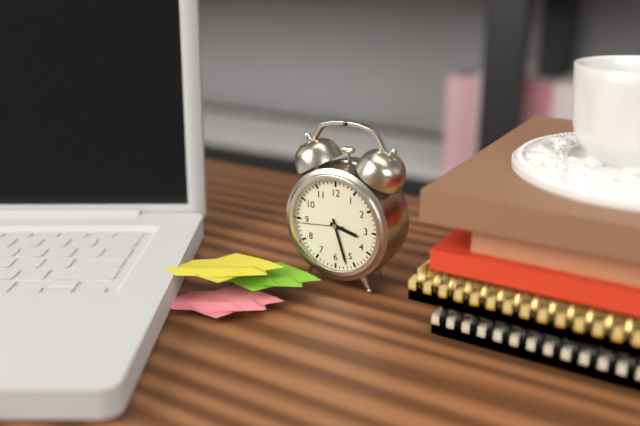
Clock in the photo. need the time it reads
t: 3:27
